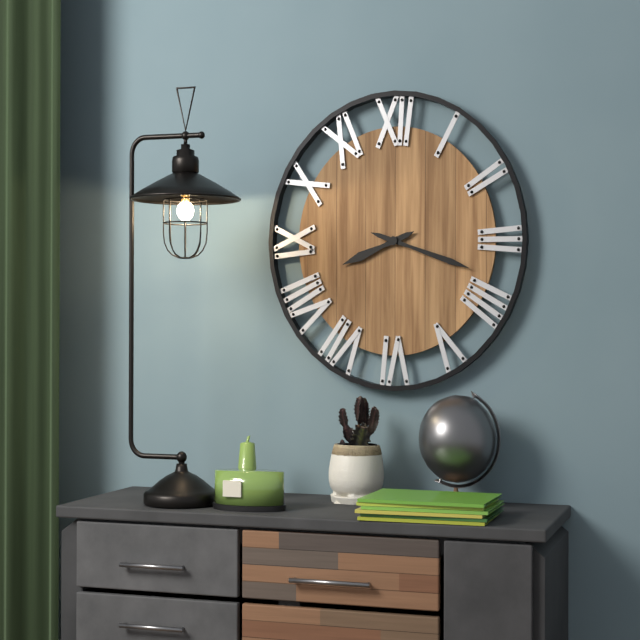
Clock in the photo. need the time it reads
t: 8:18
